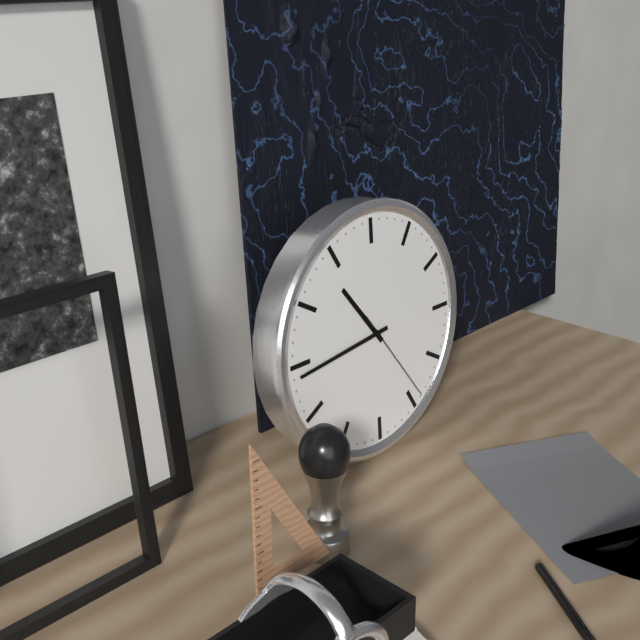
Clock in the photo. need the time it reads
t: 10:44:24
